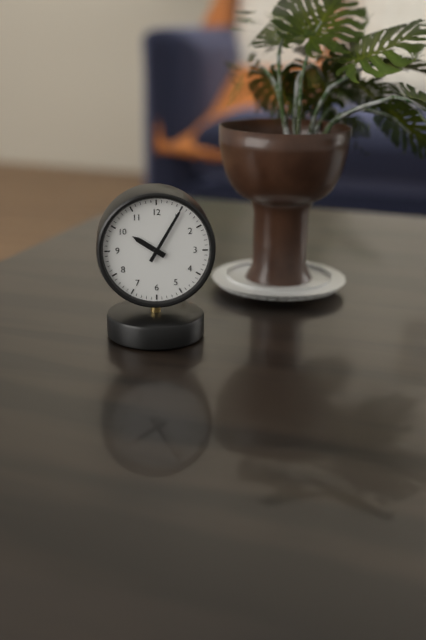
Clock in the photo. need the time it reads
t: 10:05
